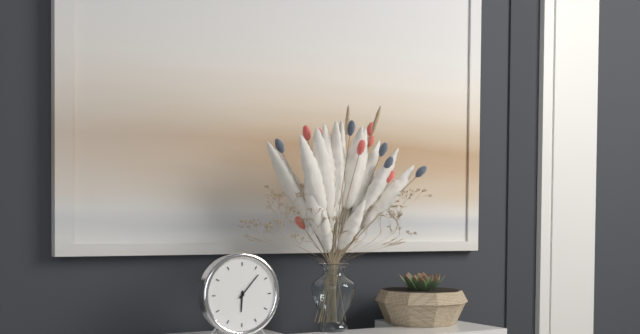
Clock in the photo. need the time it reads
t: 6:07
